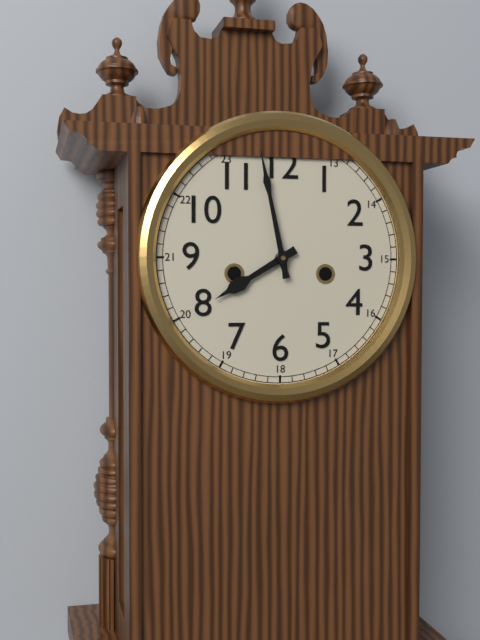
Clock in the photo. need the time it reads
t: 7:58
